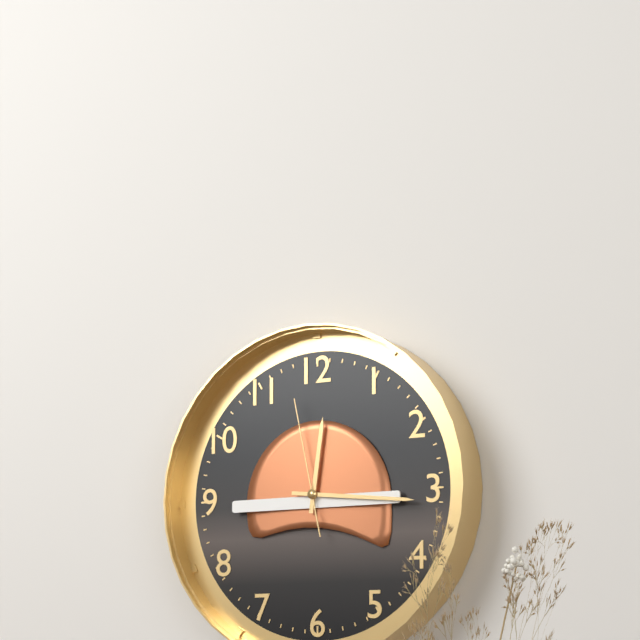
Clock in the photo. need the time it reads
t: 12:16:58
